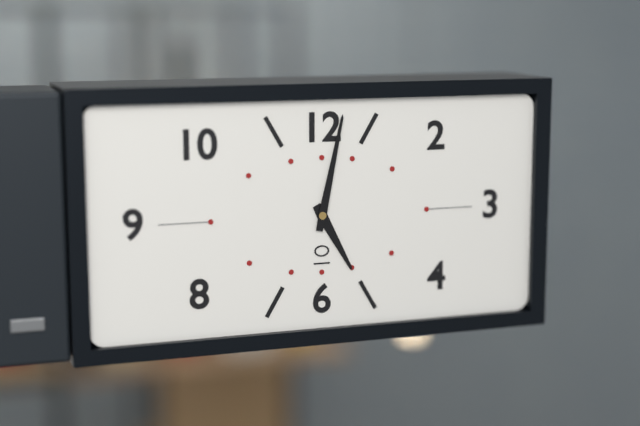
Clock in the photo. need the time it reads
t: 5:02
